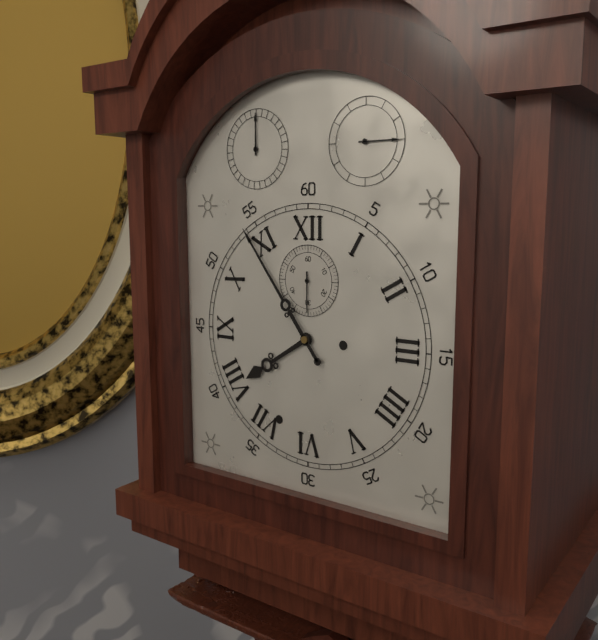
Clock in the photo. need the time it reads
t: 7:54
